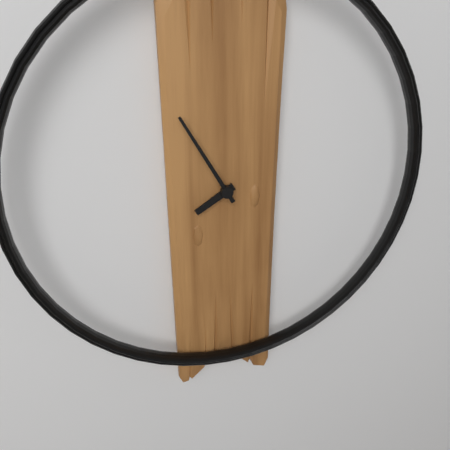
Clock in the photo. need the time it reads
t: 7:55
